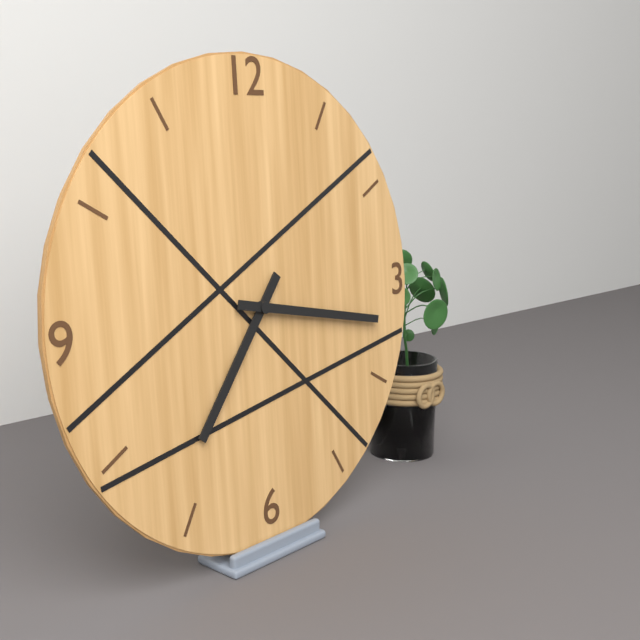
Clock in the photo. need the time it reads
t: 7:17
